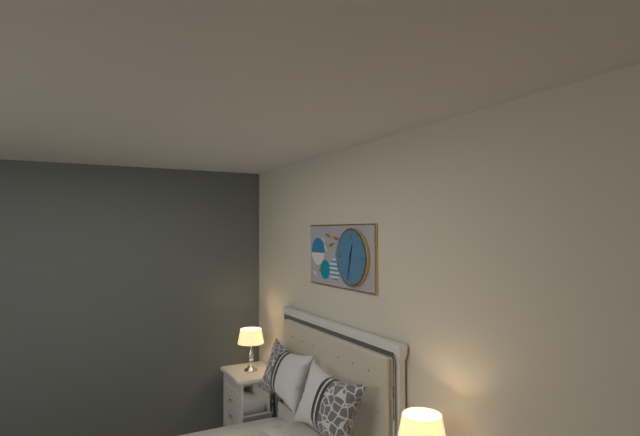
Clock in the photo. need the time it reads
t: 12:32
